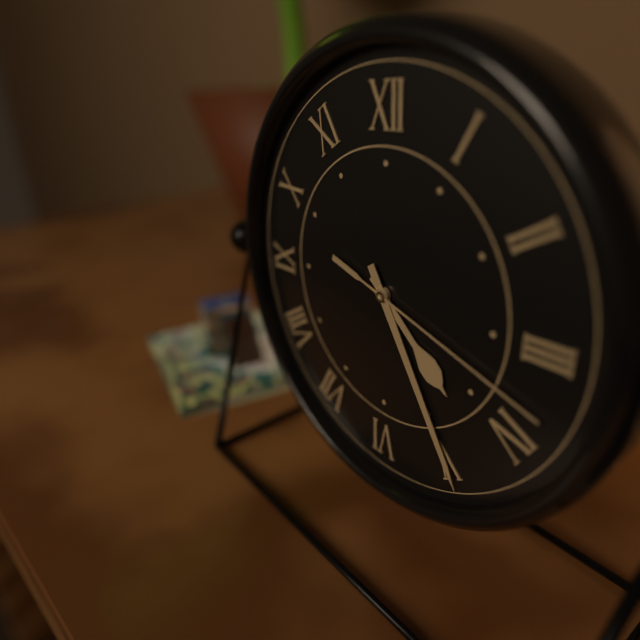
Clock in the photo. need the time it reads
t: 4:25:18
